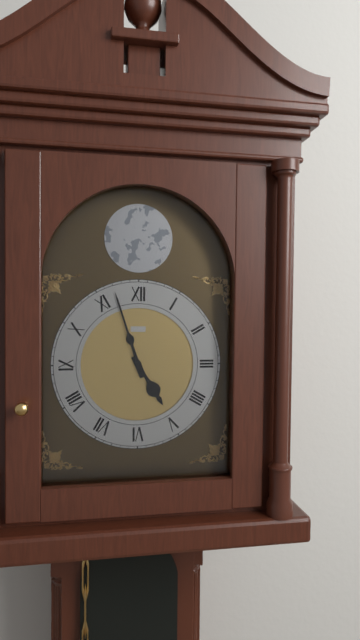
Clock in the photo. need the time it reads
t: 4:57
